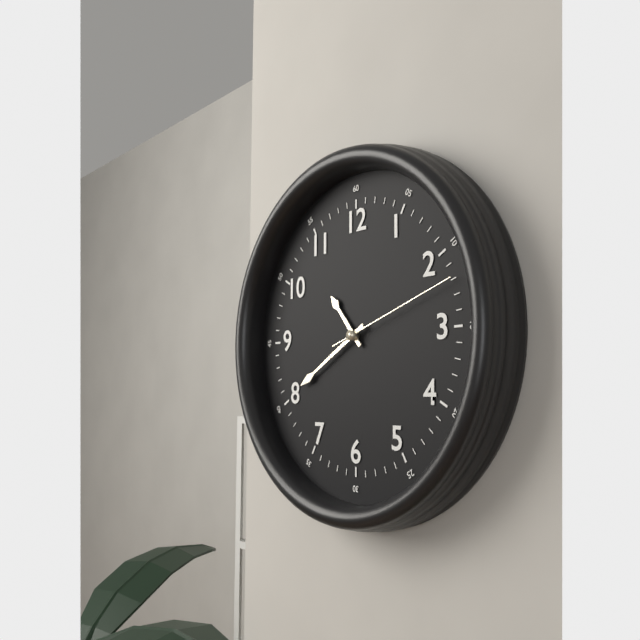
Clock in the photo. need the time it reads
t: 10:40:12
